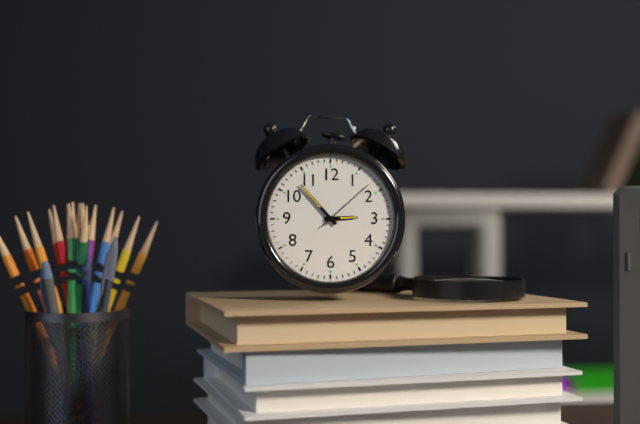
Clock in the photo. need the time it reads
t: 2:53:08
